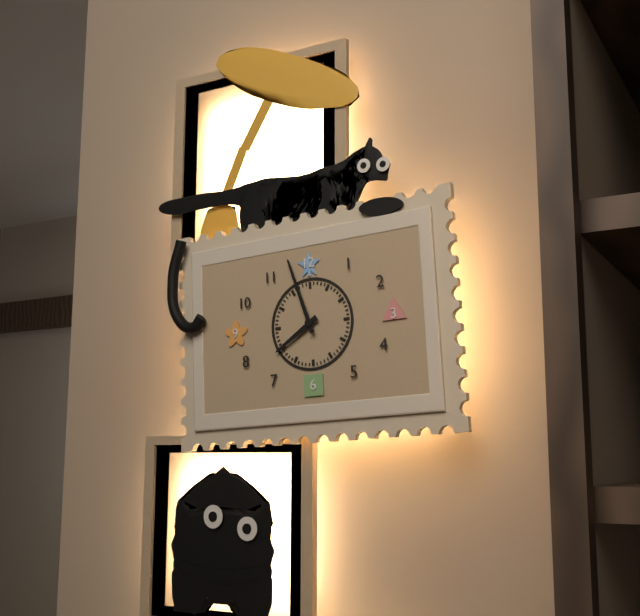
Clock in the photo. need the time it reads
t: 7:57
